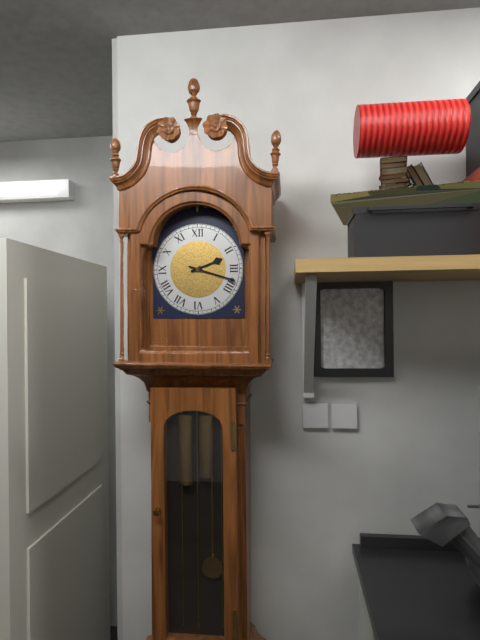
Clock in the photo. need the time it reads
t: 2:18
